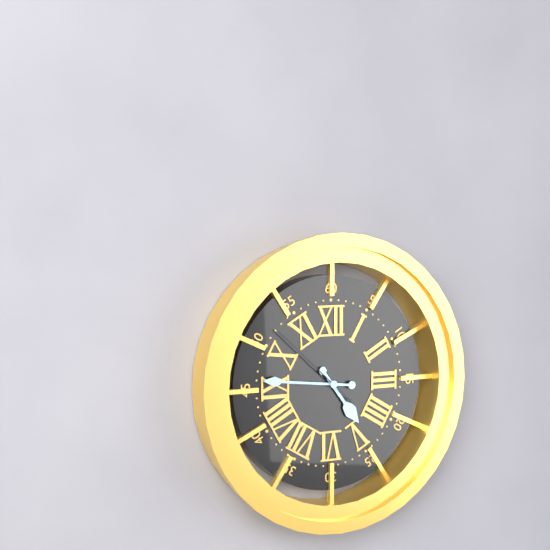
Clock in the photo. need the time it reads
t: 4:46:52
